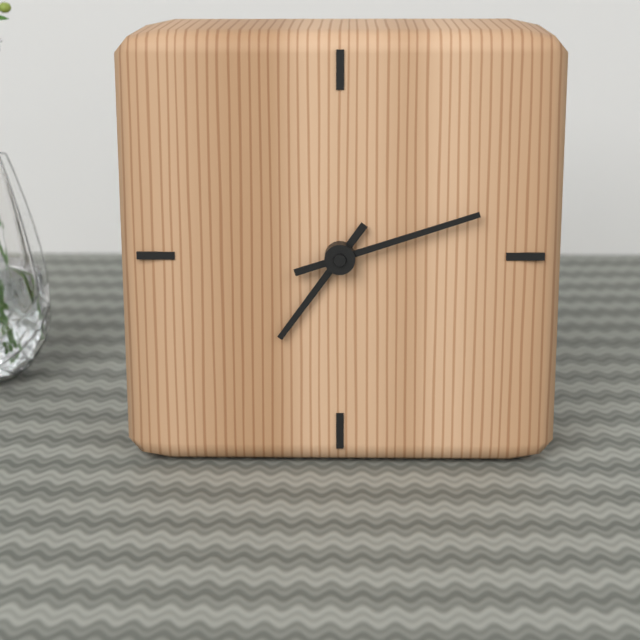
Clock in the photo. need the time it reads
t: 7:12
